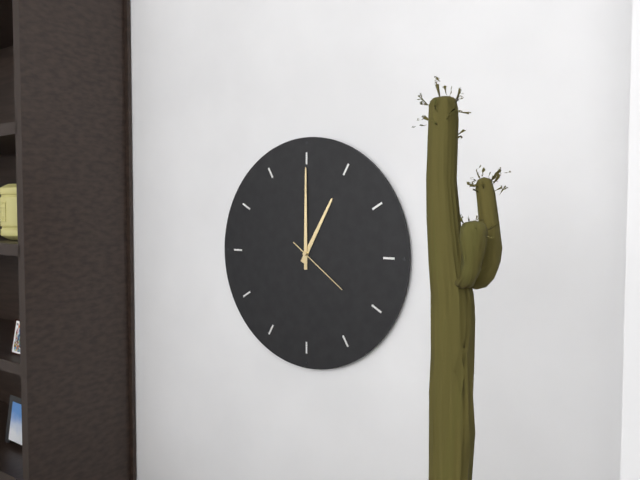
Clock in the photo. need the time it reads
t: 1:00:21
